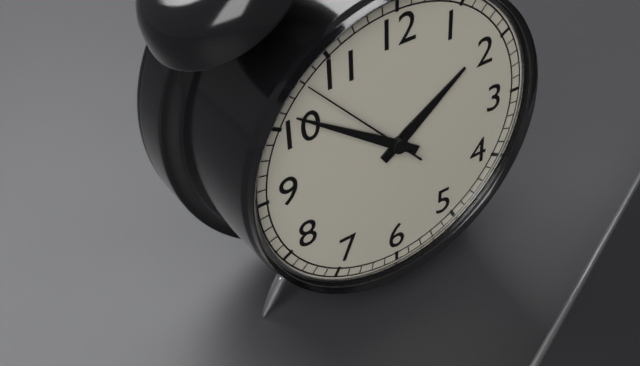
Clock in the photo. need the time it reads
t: 1:51:53
